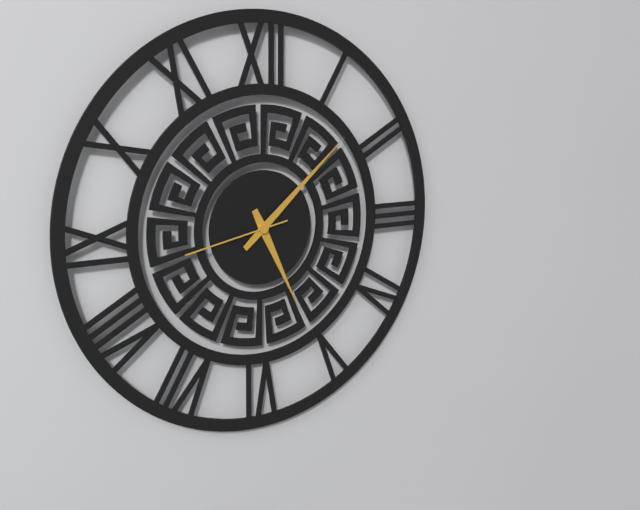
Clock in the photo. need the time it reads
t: 5:08:43
